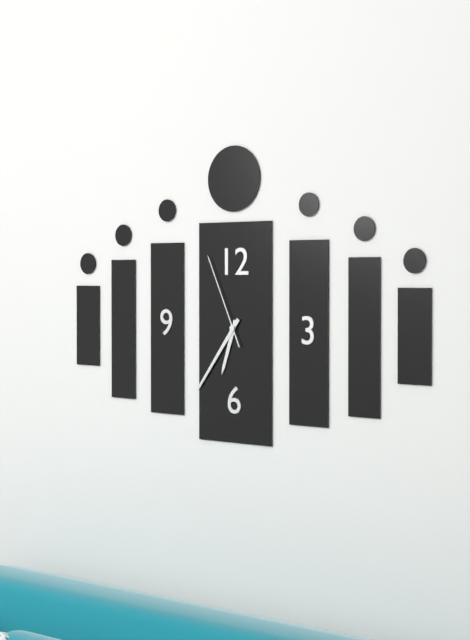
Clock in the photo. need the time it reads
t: 6:36:56
